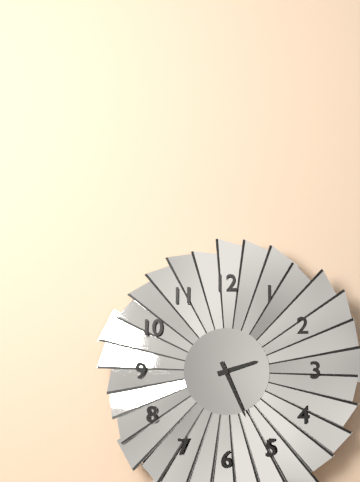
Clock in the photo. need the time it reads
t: 2:26
